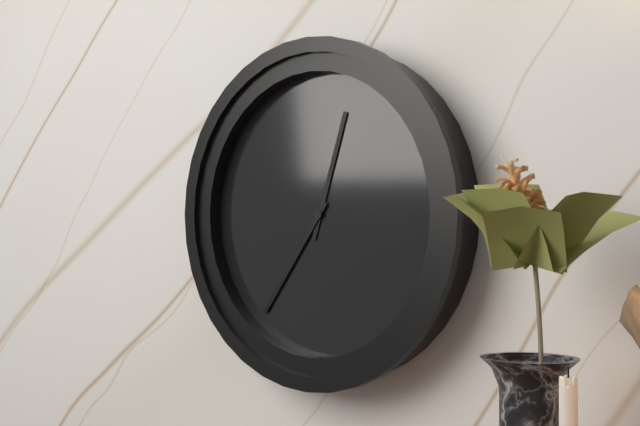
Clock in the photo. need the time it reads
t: 12:36
